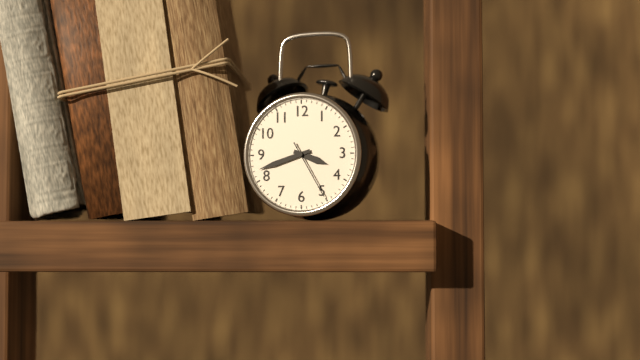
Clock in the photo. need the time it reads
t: 3:42:25
